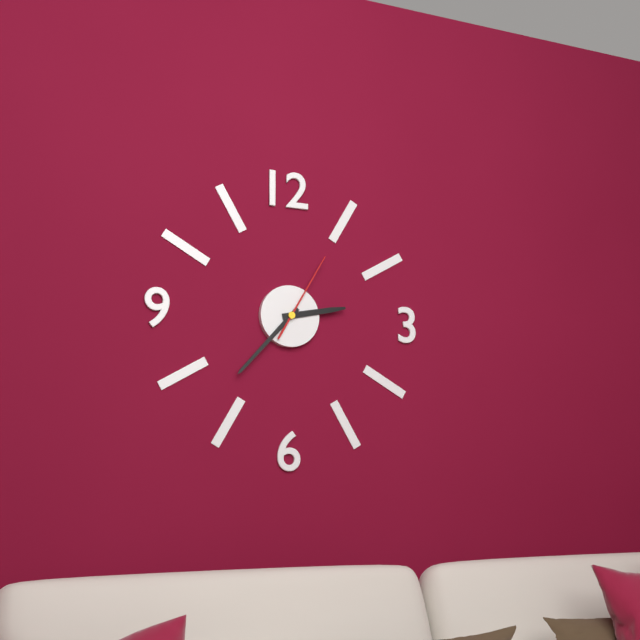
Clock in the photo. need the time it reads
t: 2:37:05
